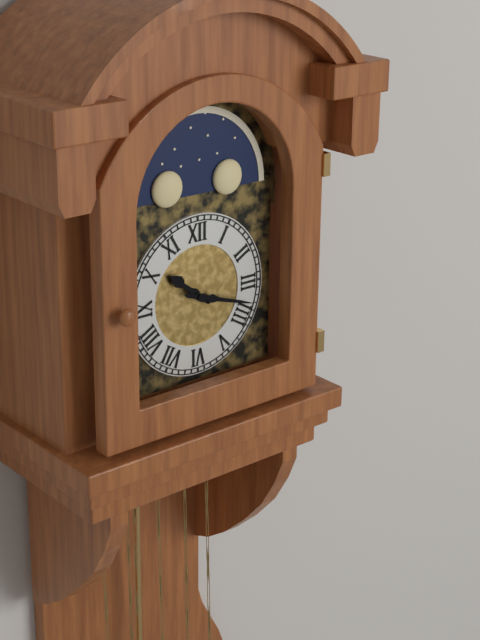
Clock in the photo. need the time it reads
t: 10:18
